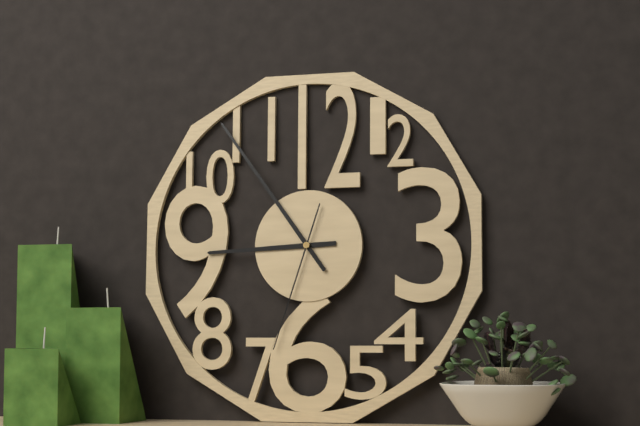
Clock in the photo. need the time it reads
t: 8:54:33
